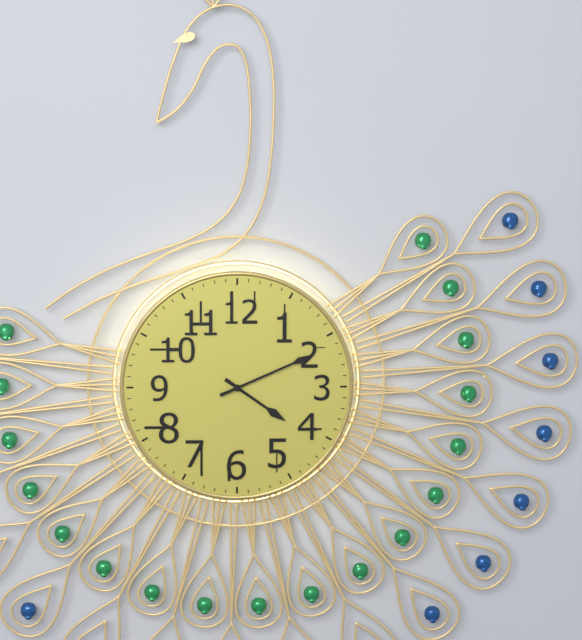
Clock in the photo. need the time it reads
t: 4:11
